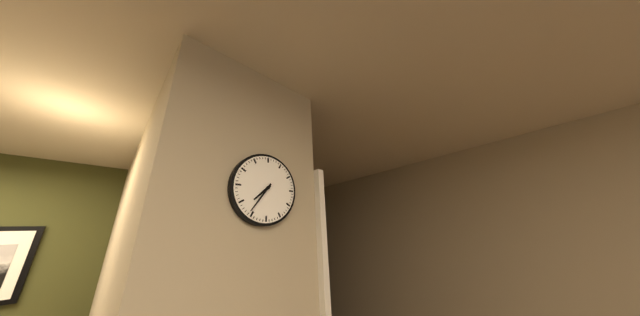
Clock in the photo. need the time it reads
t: 7:36
